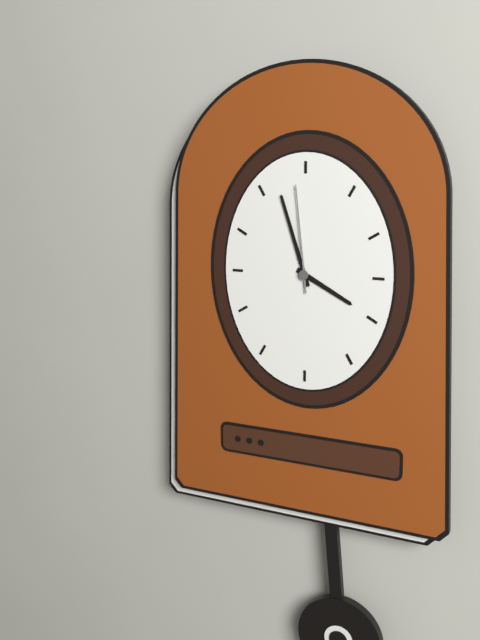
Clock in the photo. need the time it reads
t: 3:57:59
